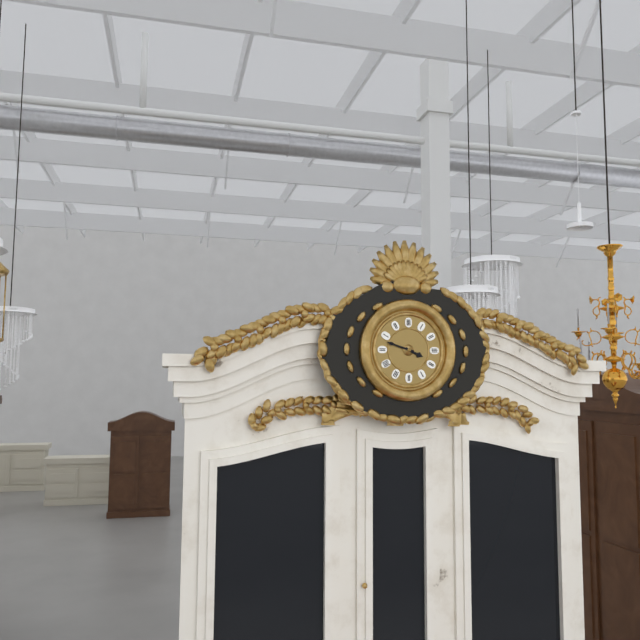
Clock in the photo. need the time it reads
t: 3:48
